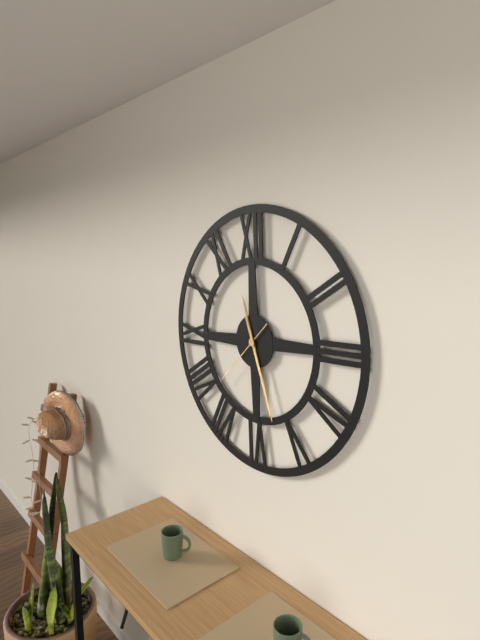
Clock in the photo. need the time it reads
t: 11:27:38
